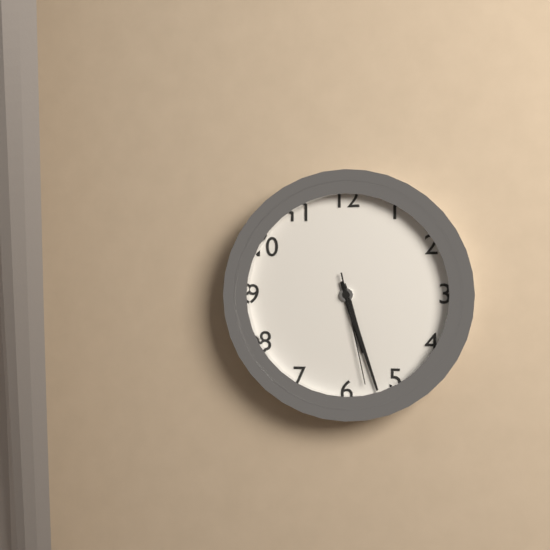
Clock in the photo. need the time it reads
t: 5:27:28
